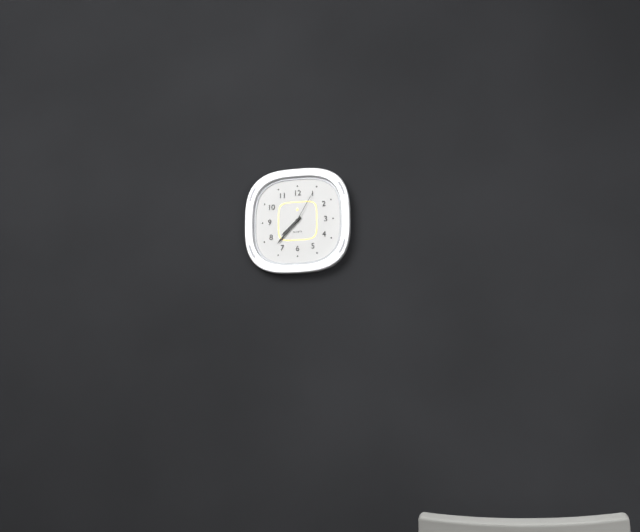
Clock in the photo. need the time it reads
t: 7:37
